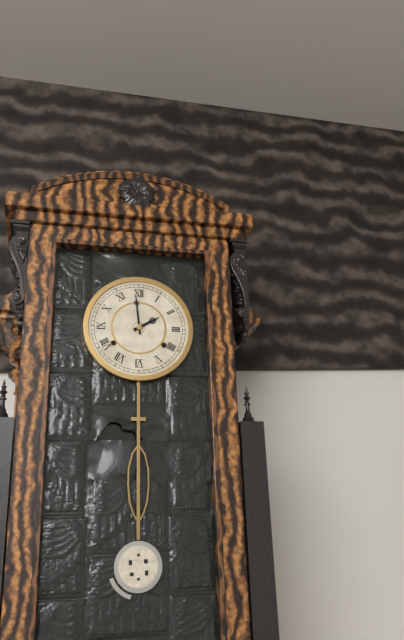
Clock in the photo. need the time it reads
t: 1:59
